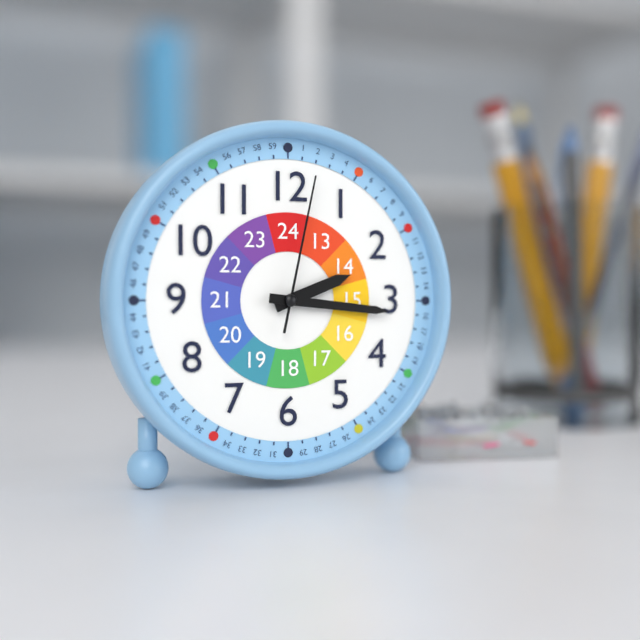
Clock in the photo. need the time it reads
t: 2:16:02
